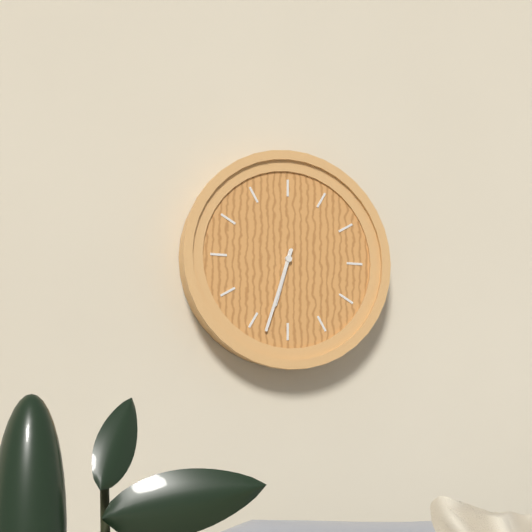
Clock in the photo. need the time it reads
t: 6:33
